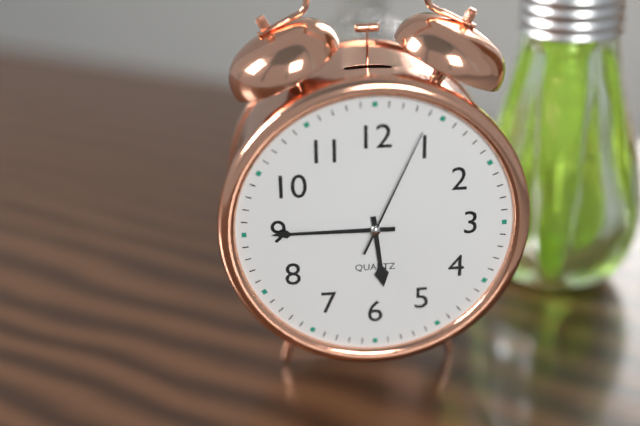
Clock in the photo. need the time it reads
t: 5:45:04
